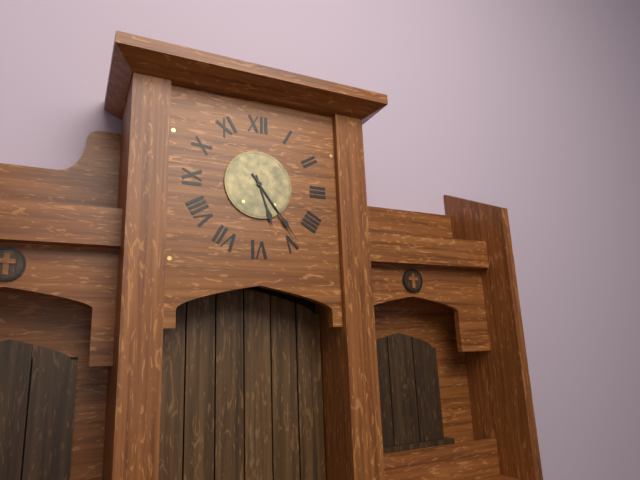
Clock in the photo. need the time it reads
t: 5:24
